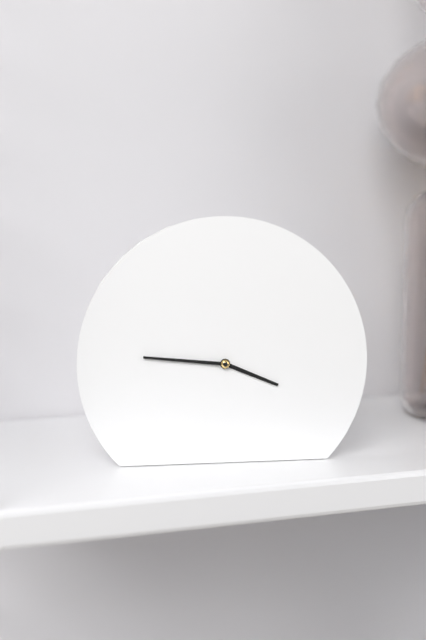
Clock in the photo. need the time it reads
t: 3:46
